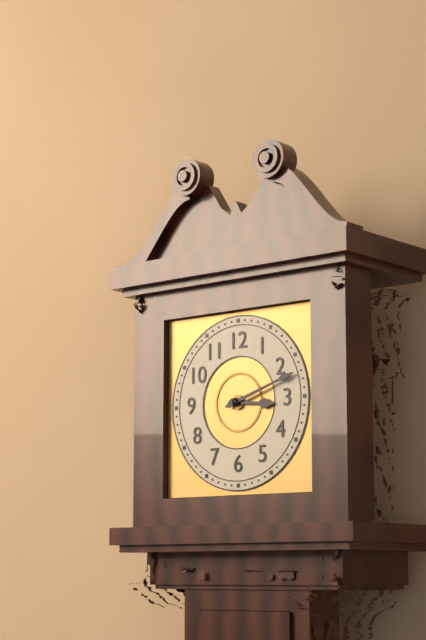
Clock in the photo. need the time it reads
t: 3:12
